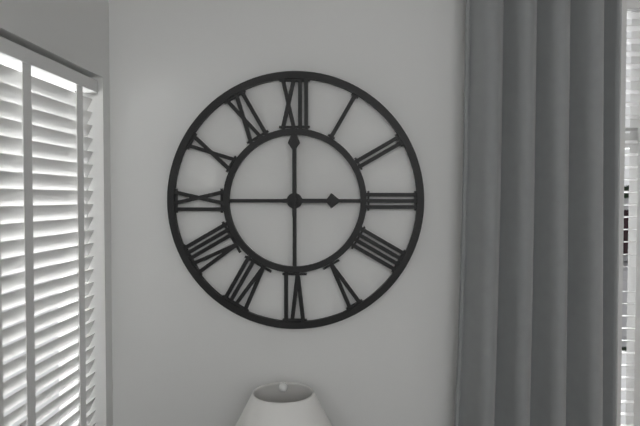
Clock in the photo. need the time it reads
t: 3:00
